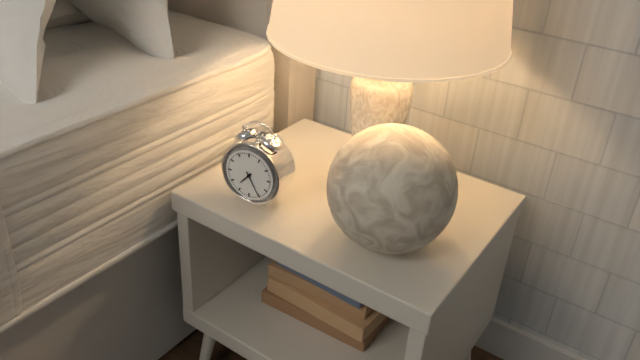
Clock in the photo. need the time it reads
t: 7:25
